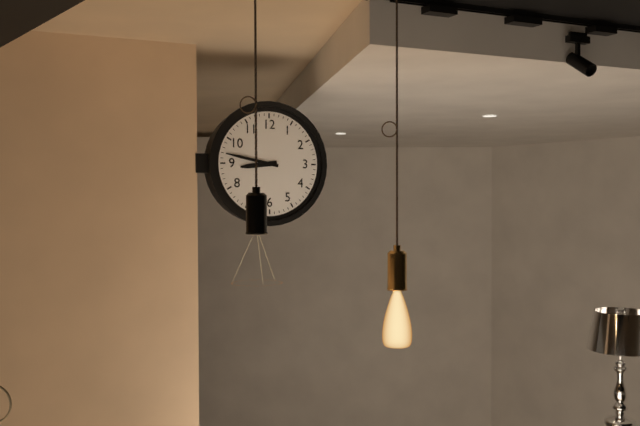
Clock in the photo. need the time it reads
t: 8:47
